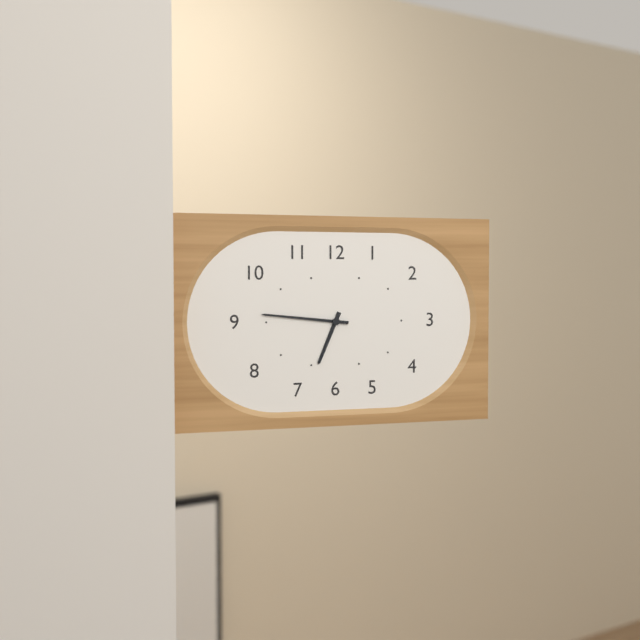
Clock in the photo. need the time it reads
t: 6:46
